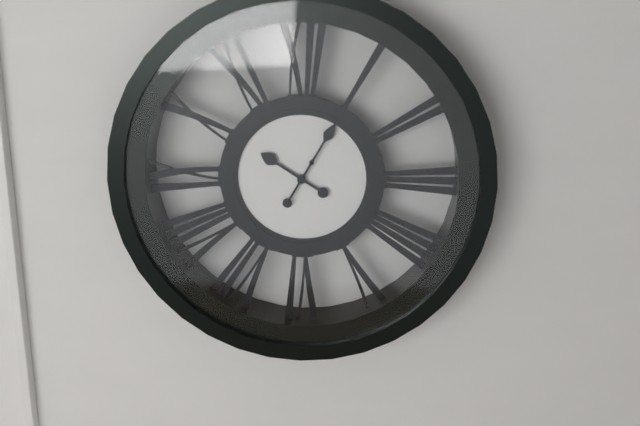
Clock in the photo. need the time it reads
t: 10:05
